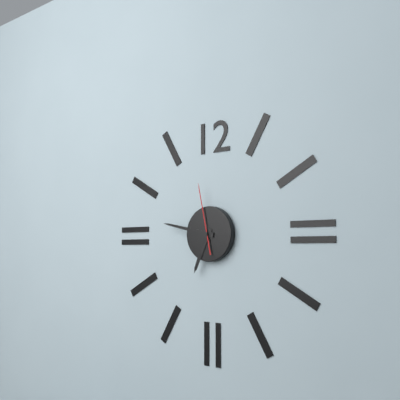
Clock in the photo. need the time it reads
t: 6:47:58
